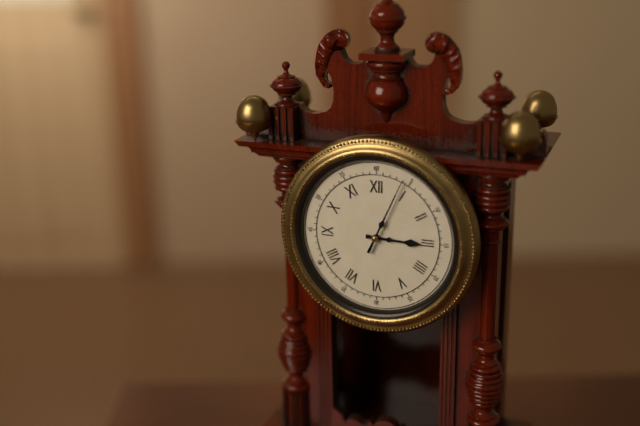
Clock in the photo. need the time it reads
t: 3:04
